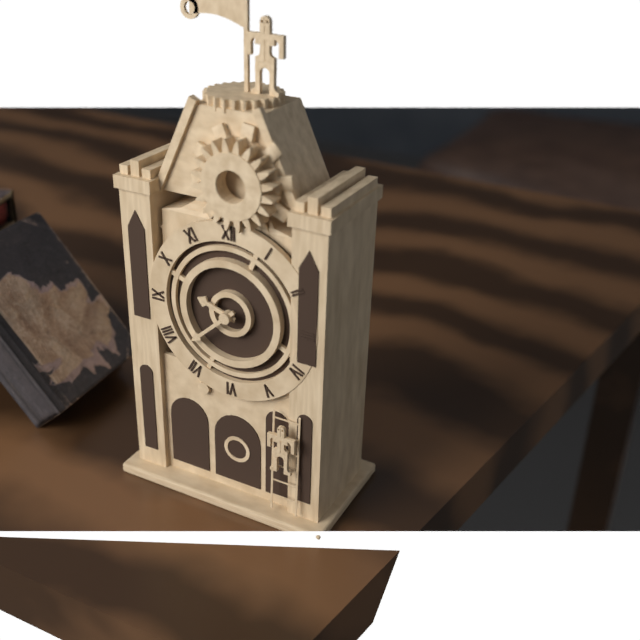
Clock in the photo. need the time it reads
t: 9:38
